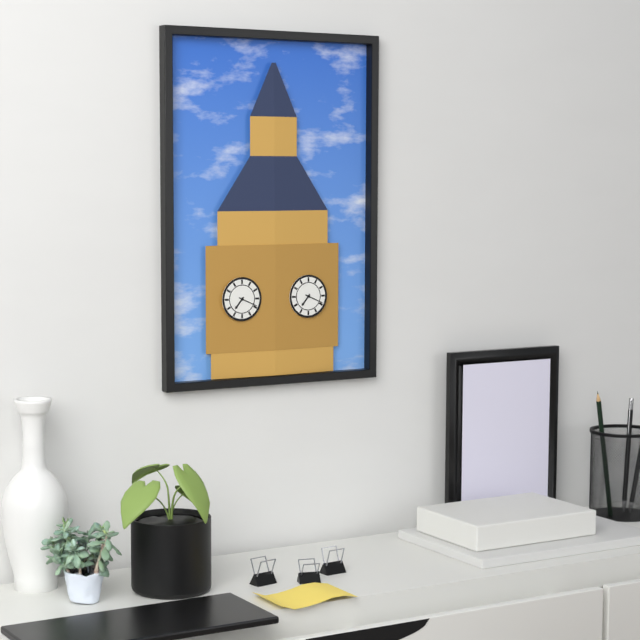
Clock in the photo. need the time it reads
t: 7:19
